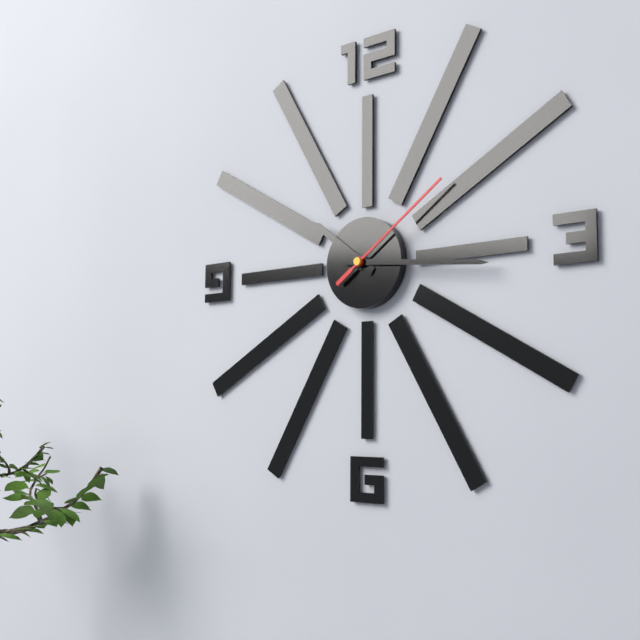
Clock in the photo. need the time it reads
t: 10:16:09
